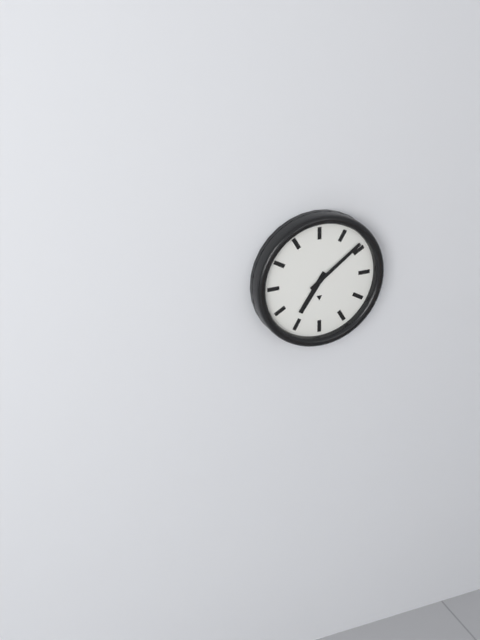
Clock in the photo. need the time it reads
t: 7:09
